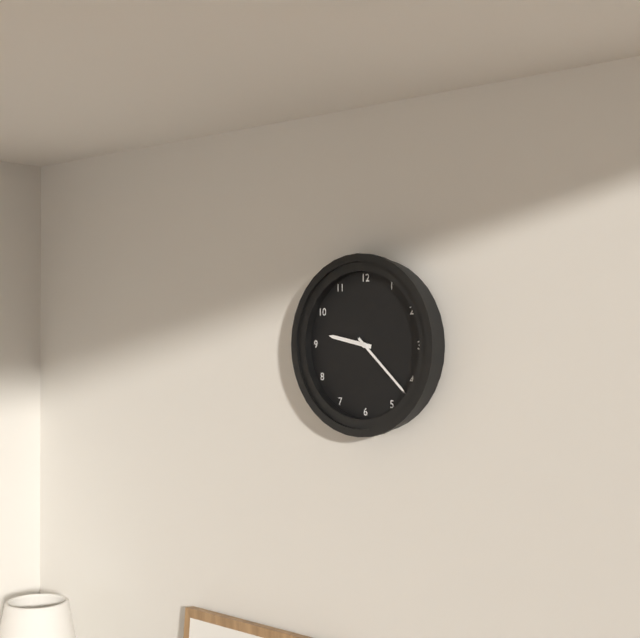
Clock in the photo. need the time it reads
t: 9:22
